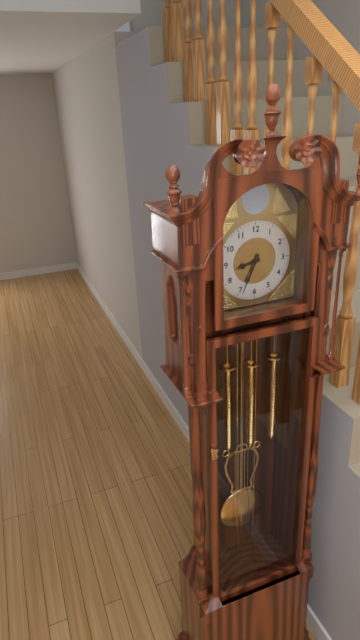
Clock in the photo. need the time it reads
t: 8:34
